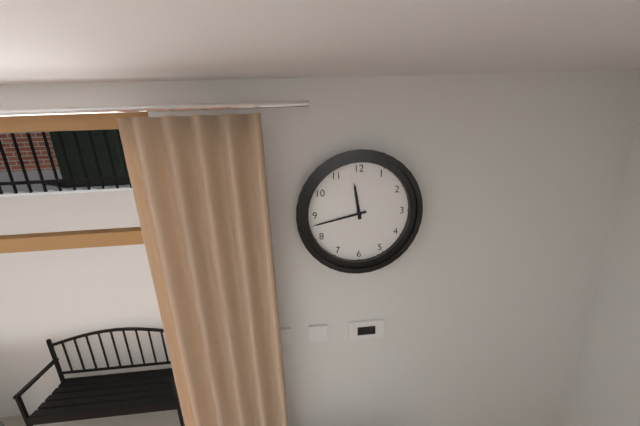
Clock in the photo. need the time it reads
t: 11:43
